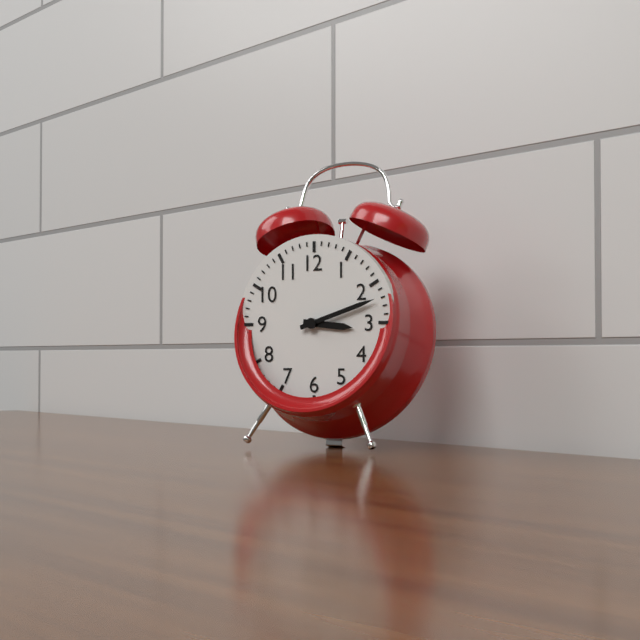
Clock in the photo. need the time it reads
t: 3:12
